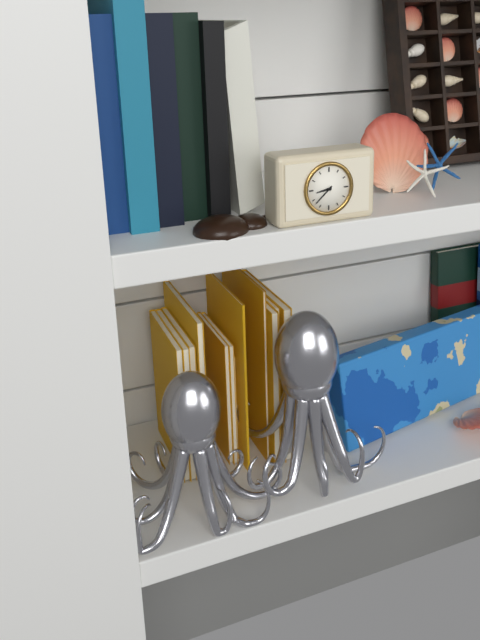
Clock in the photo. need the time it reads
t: 8:38
